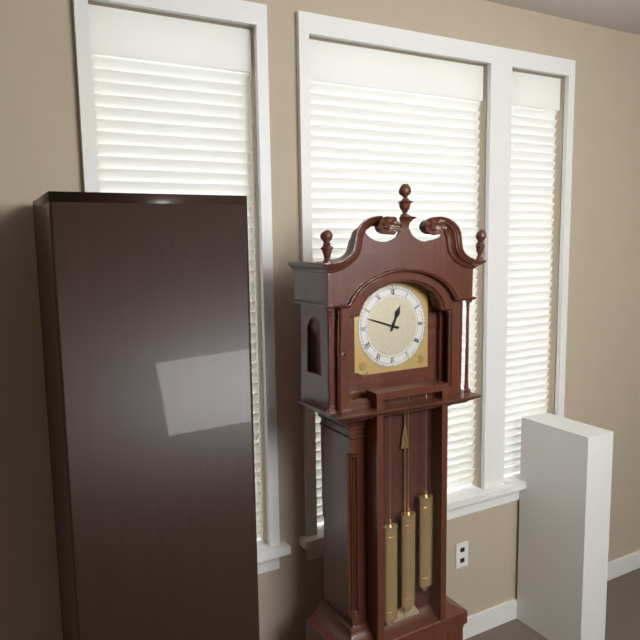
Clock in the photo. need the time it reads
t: 12:48
